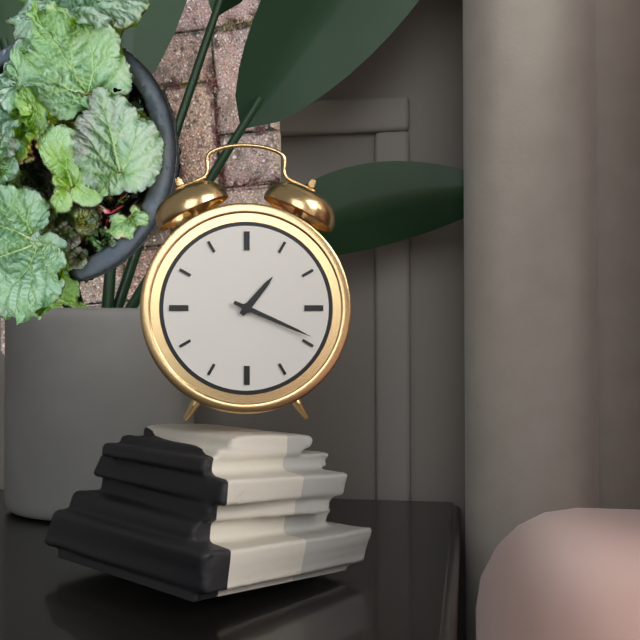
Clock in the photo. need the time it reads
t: 1:19
